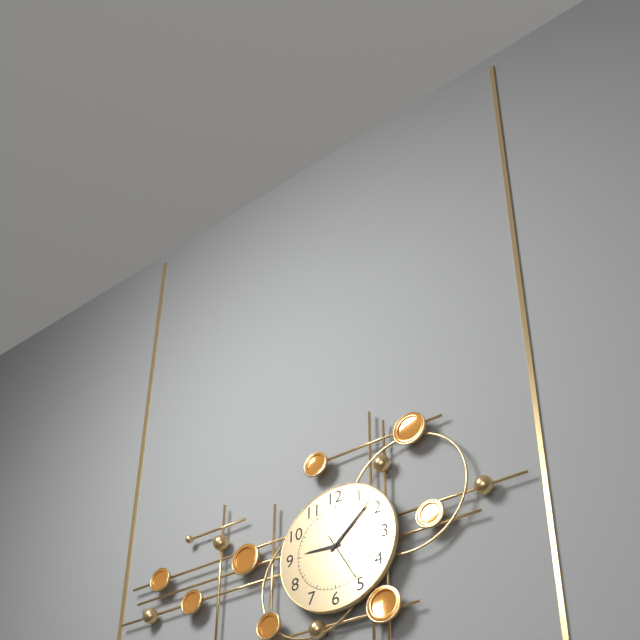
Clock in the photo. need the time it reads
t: 9:08:25
